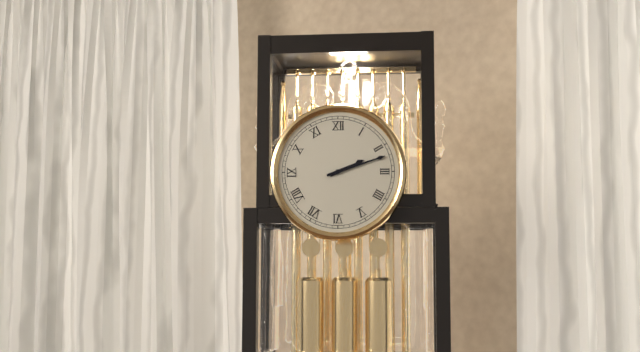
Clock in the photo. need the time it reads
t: 2:12
